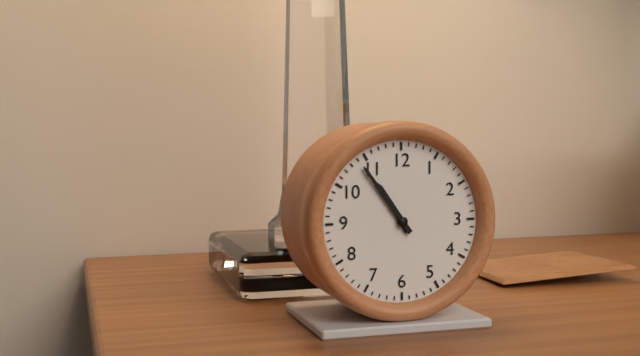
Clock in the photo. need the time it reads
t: 10:54
